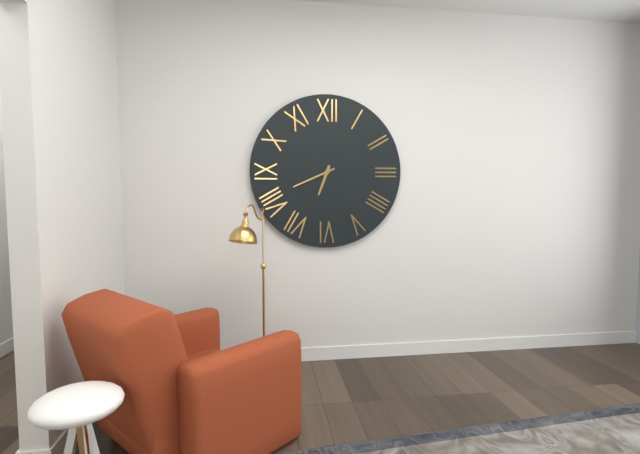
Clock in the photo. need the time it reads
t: 6:41
